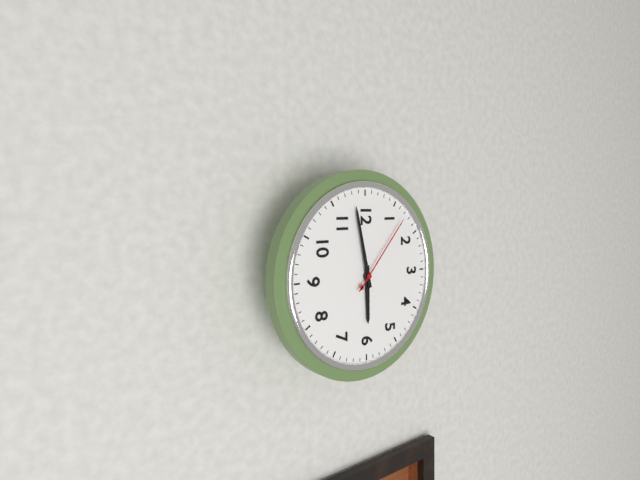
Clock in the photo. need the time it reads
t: 5:58:07
